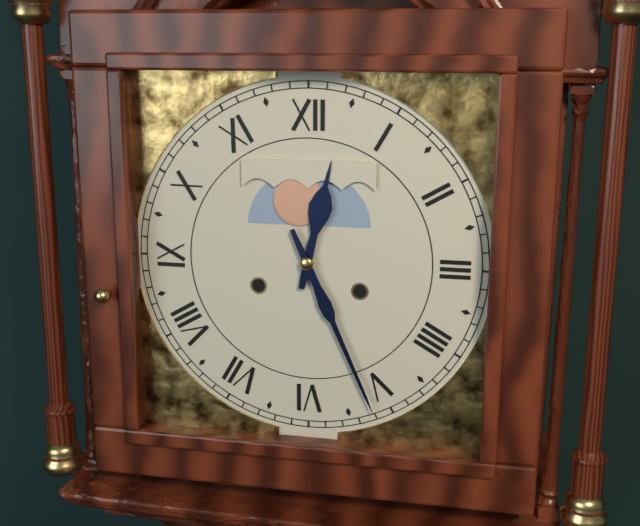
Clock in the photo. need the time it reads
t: 12:26
